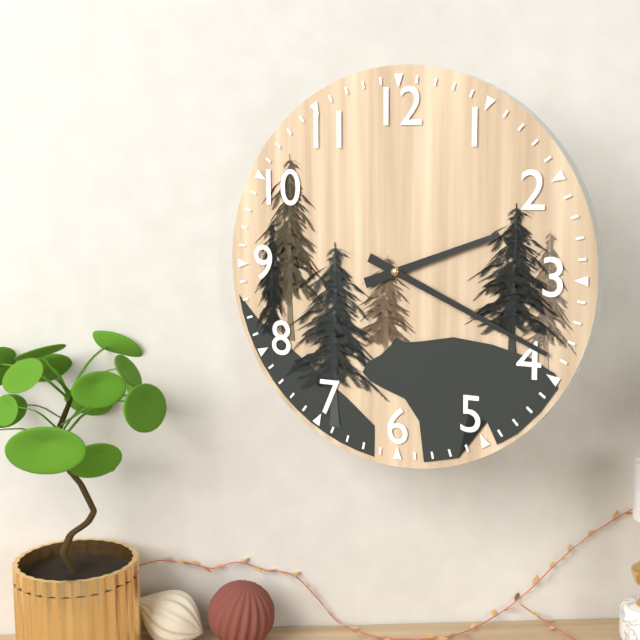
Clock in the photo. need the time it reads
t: 2:19
